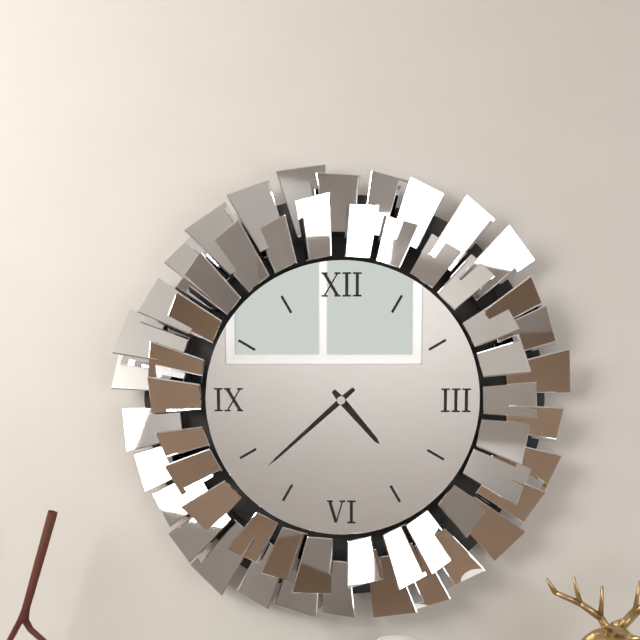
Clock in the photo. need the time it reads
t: 4:38
